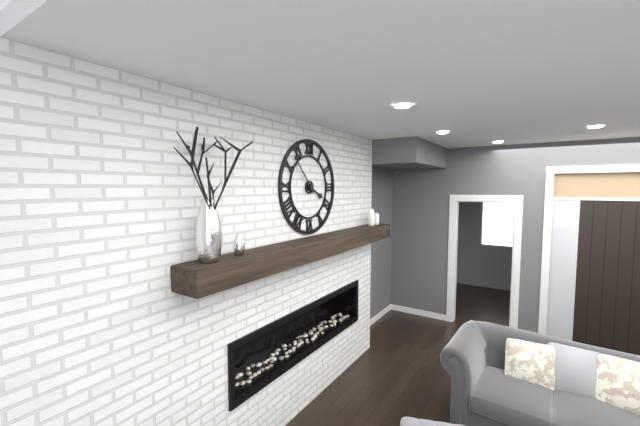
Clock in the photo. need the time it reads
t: 3:53
